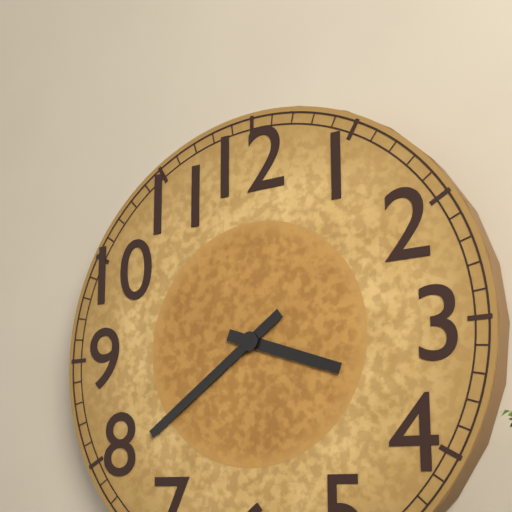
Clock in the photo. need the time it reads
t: 3:39
